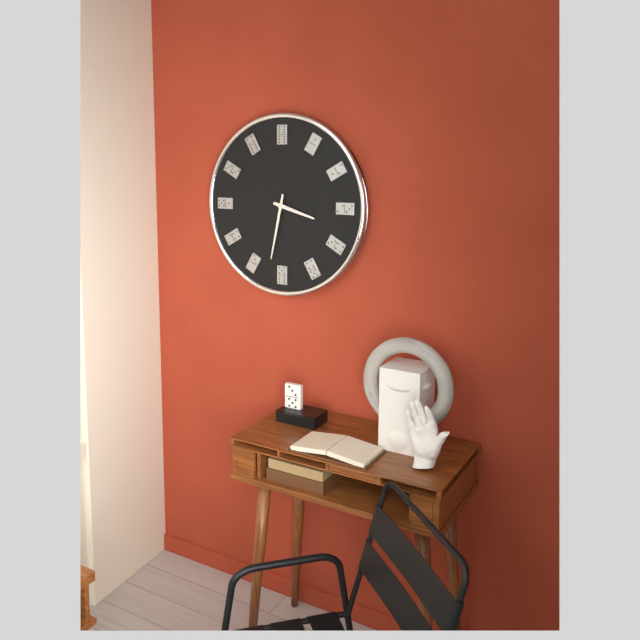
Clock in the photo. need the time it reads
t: 3:32
